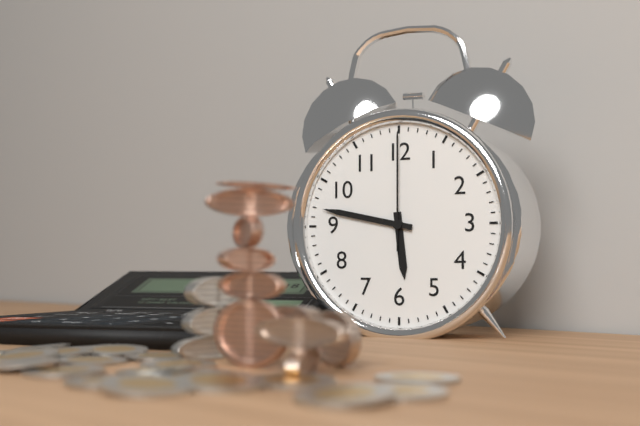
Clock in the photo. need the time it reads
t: 5:47:00
